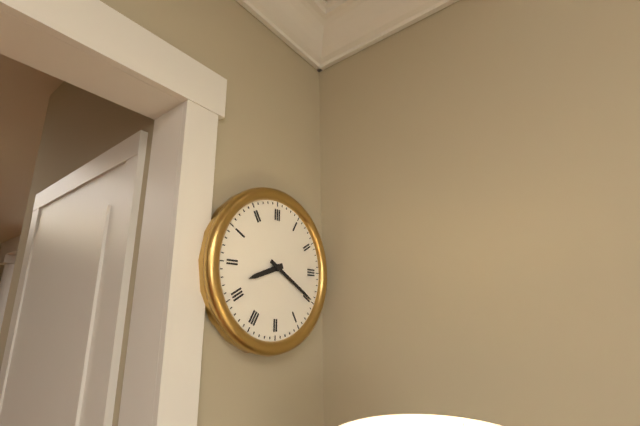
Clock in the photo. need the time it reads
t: 8:20
